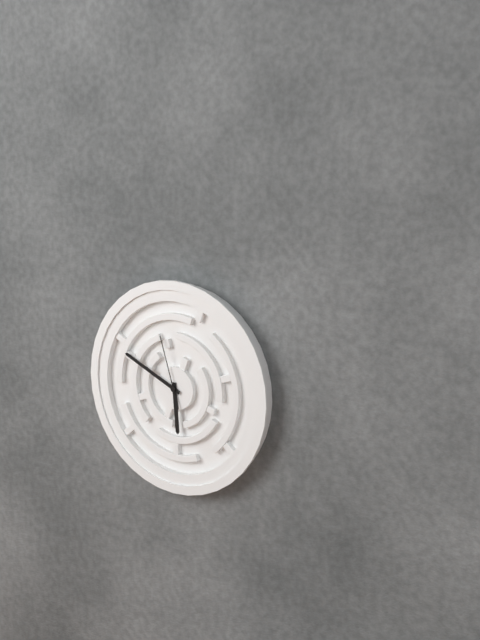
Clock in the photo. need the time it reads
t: 5:49:57
